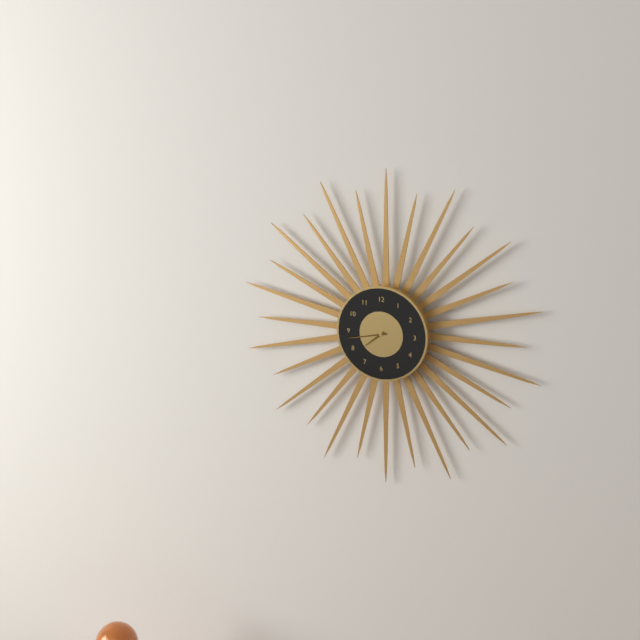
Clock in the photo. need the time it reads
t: 7:43
